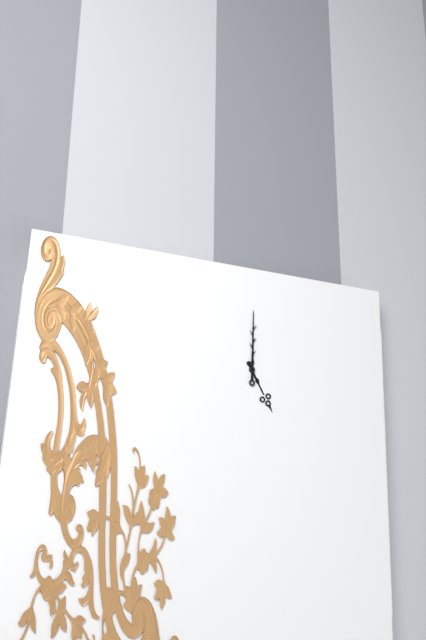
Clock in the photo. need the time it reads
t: 5:00
